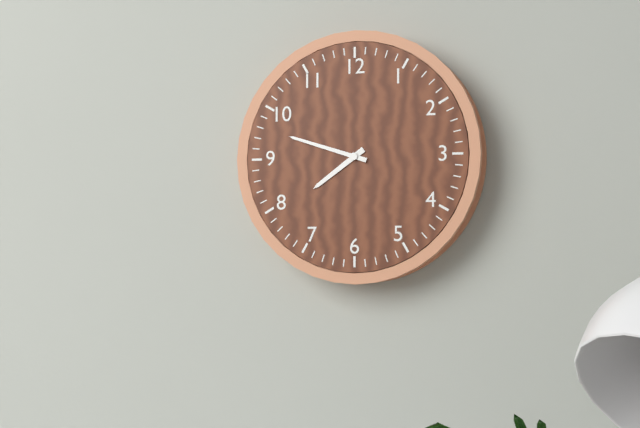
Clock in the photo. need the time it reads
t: 7:48
